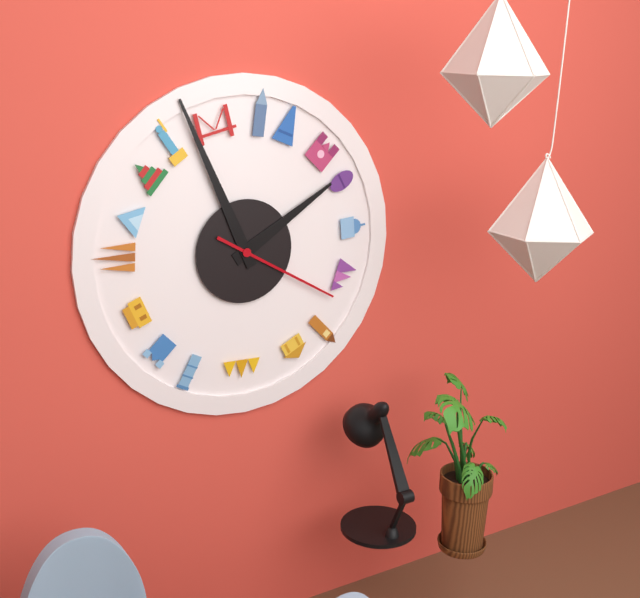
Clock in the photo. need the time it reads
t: 1:56:20
